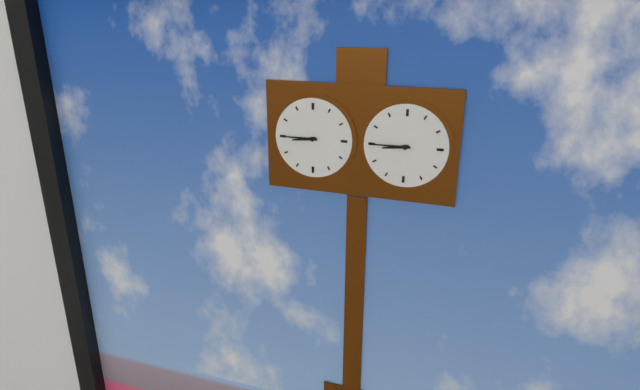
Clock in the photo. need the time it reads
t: 8:45
